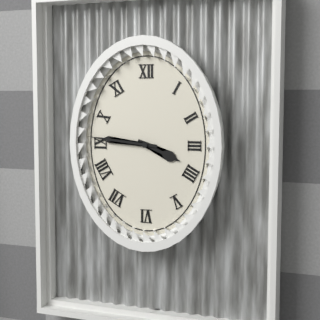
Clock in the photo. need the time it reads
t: 3:46
